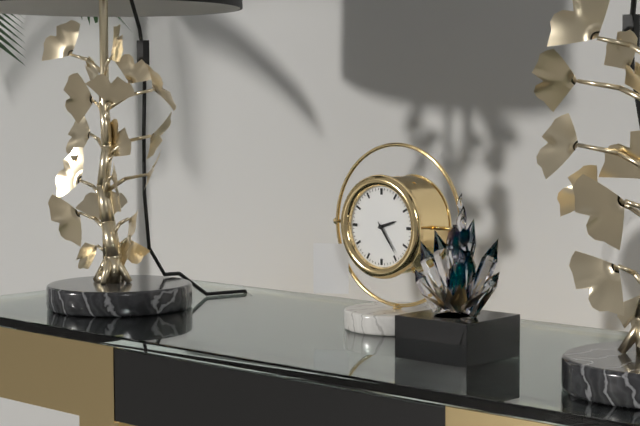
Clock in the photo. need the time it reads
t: 2:24
